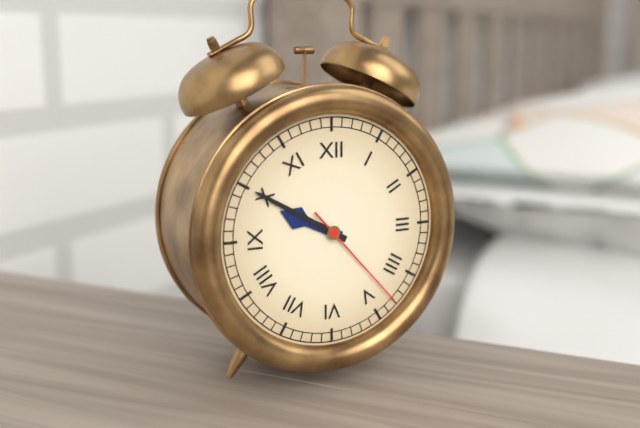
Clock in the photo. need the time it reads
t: 9:50:23
